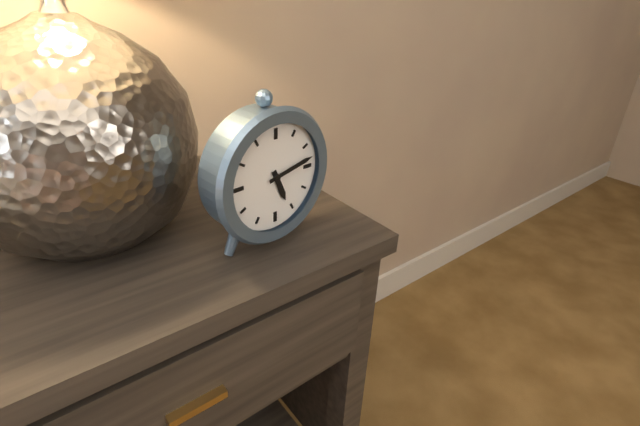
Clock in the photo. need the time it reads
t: 5:13
